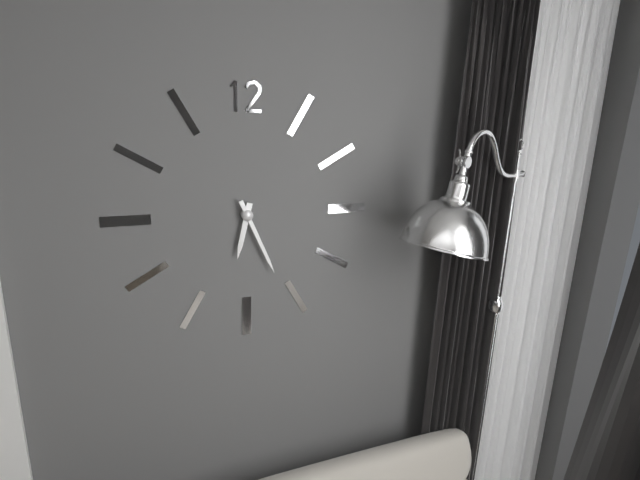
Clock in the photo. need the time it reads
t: 6:26
